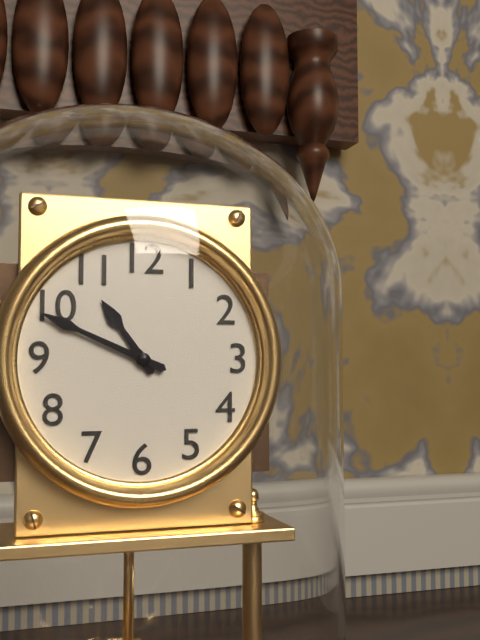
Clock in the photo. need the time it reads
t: 10:49
